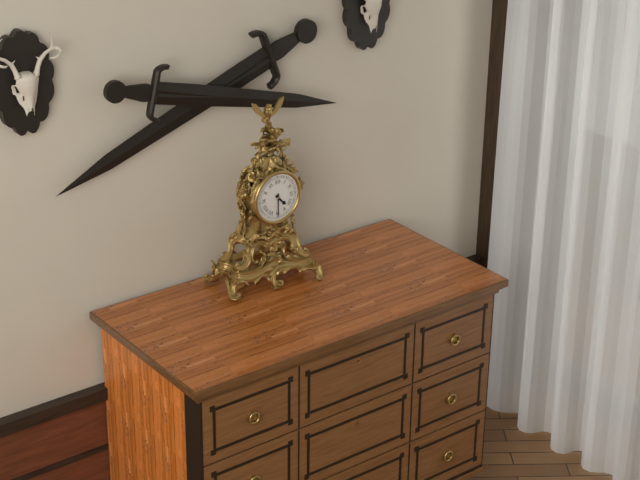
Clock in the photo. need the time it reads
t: 4:30
